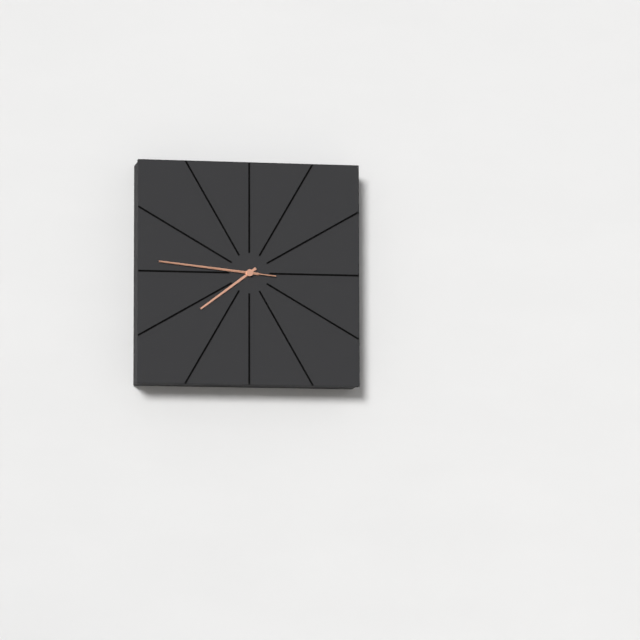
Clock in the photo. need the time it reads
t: 7:46:46
